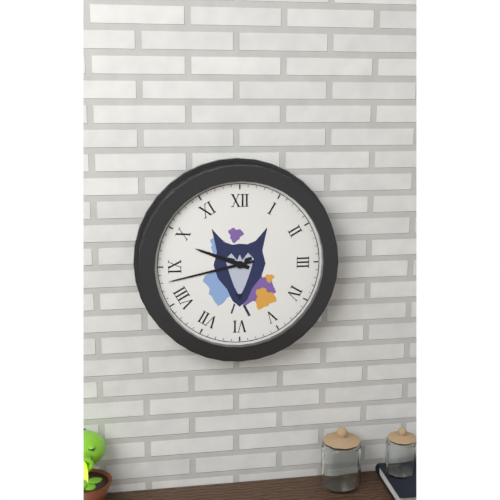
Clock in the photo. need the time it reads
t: 9:43
